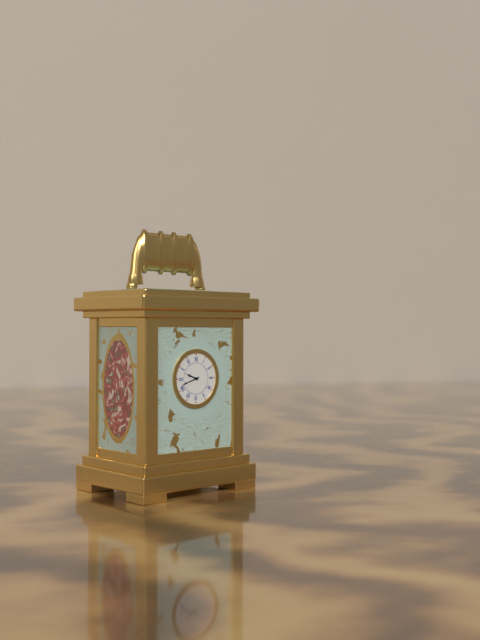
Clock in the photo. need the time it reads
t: 9:42
